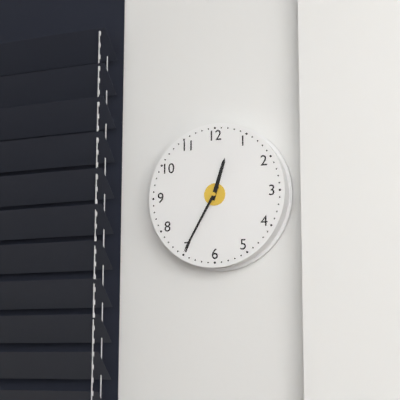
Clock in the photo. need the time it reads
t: 12:35
